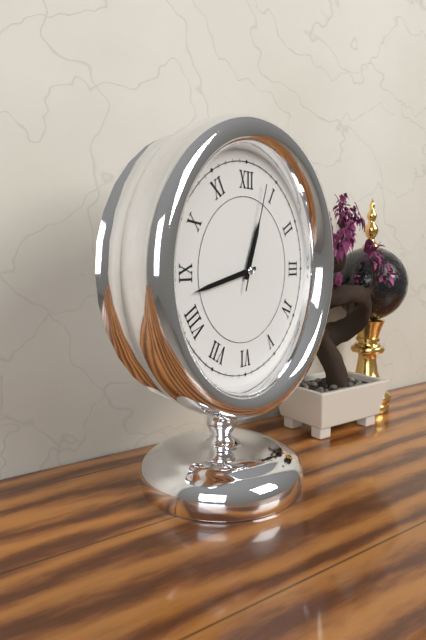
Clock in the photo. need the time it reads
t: 12:43:03
